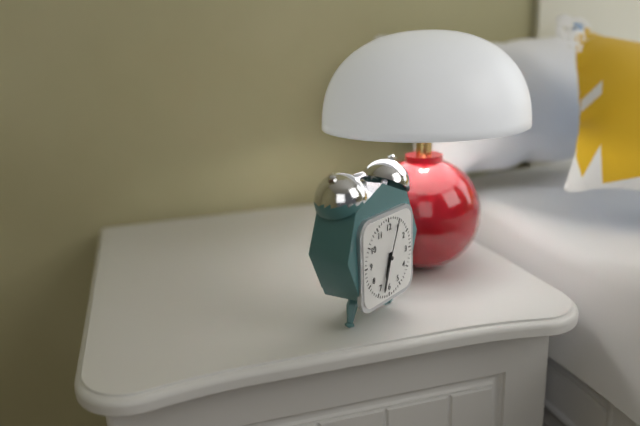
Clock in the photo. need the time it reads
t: 6:33
